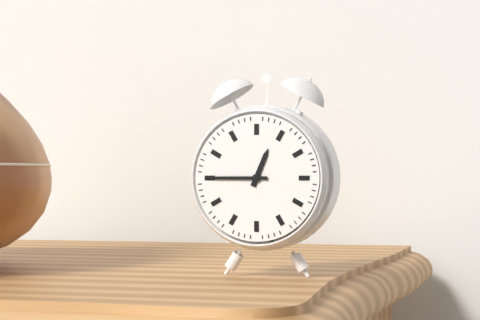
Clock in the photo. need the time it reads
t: 12:45
